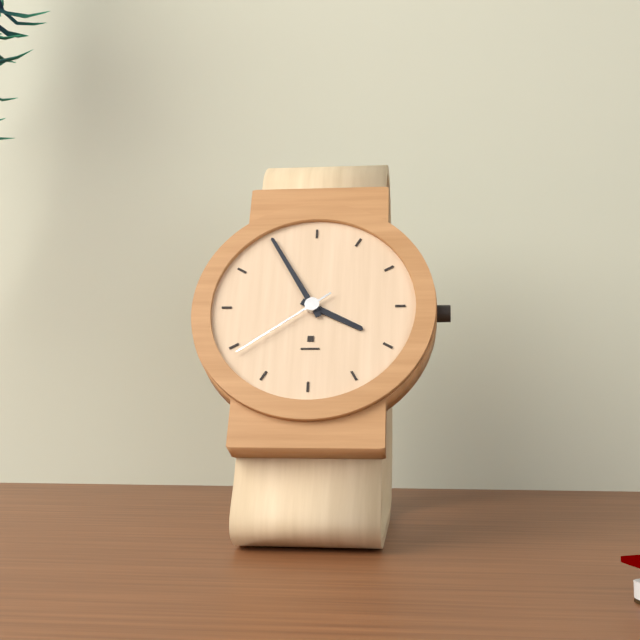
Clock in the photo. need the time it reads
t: 3:55:39
